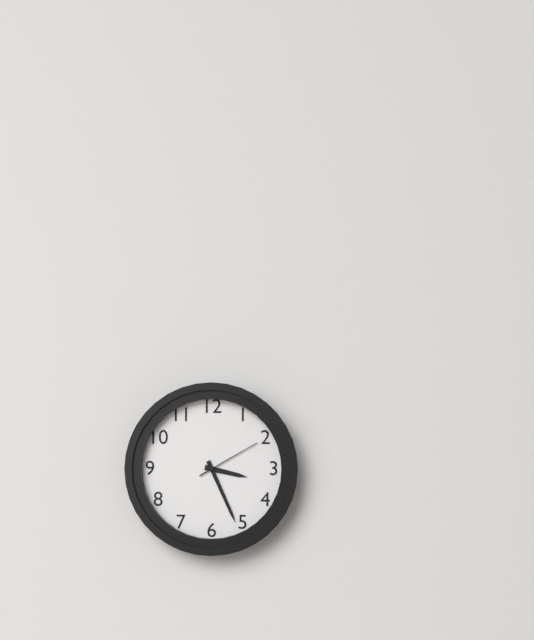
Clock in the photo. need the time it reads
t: 3:26:10
